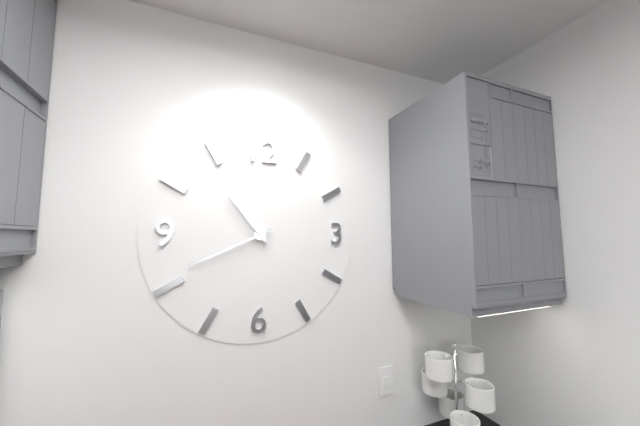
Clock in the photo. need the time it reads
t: 10:41
